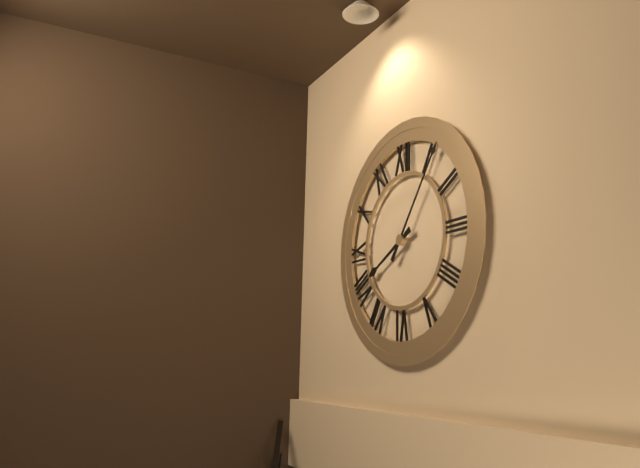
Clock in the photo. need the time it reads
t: 8:06
